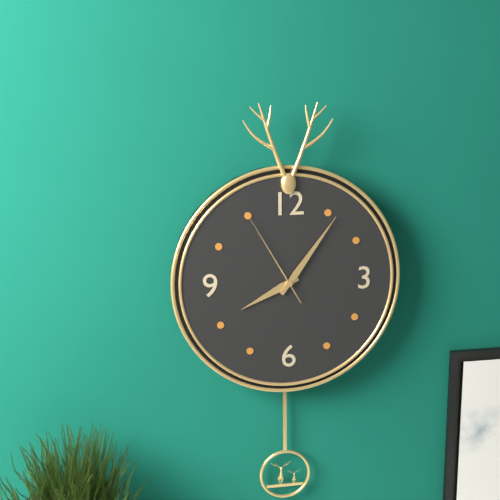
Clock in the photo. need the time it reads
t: 8:06:55
